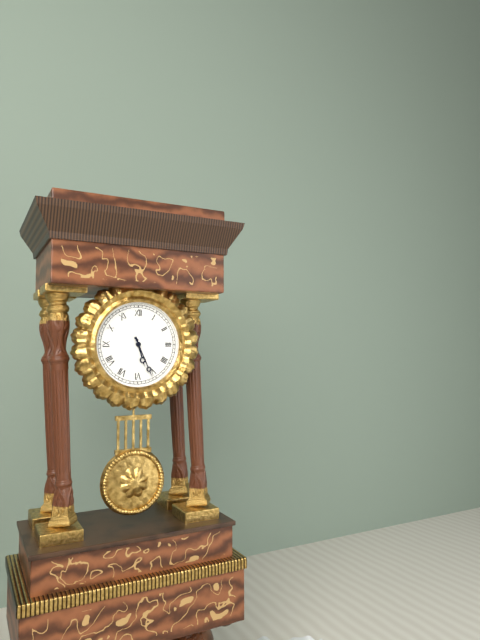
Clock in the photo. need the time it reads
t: 5:26
